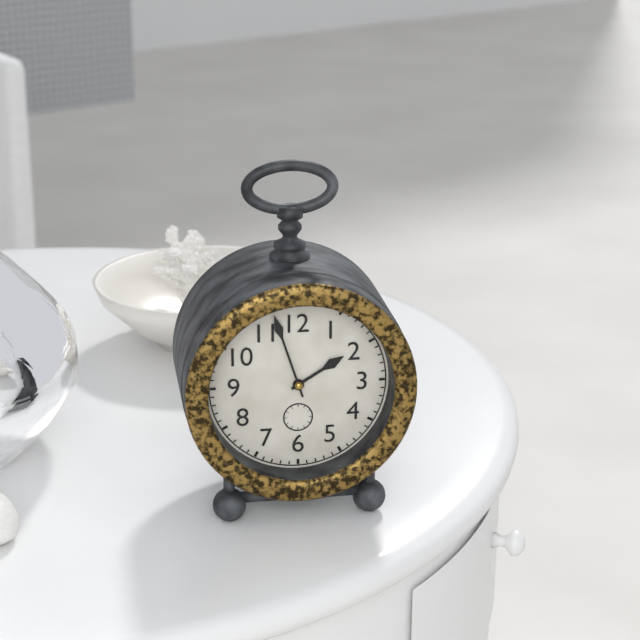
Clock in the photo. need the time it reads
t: 1:57
